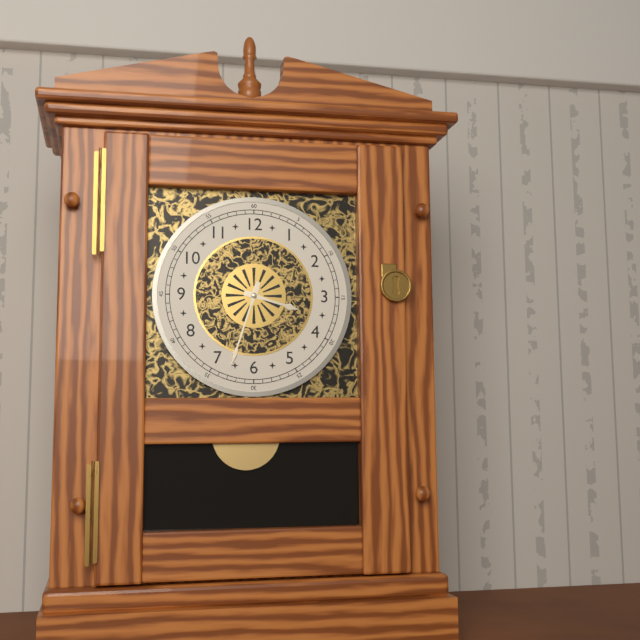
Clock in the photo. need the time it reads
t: 3:33
